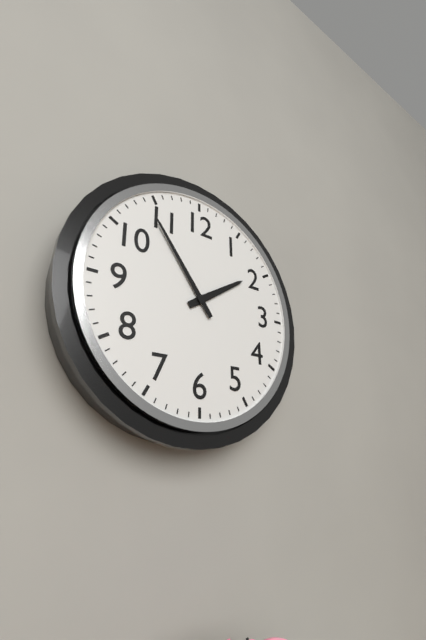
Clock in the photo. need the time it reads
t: 1:54
